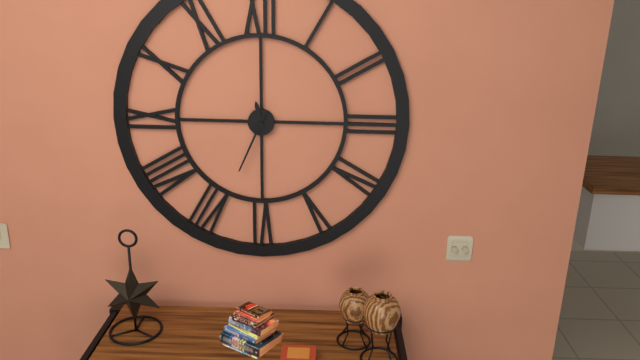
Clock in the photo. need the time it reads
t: 11:34
